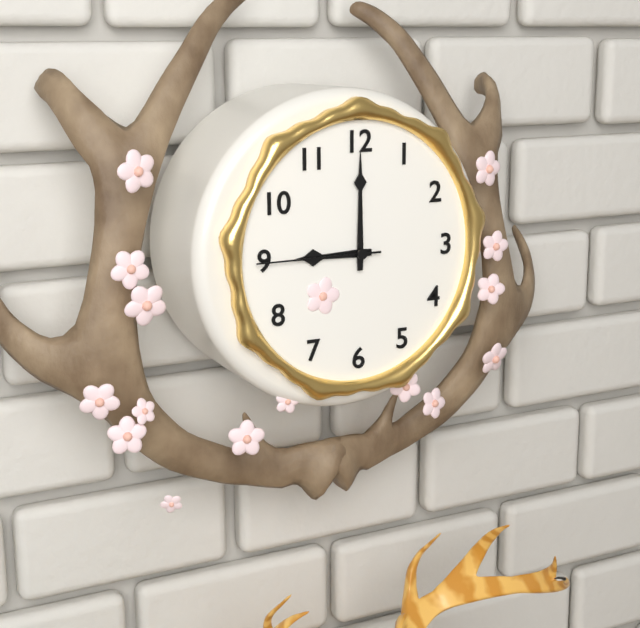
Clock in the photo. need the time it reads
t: 9:00:45
